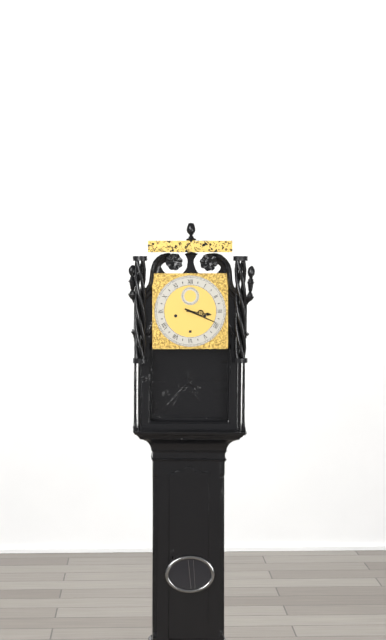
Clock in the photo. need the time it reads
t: 3:19
